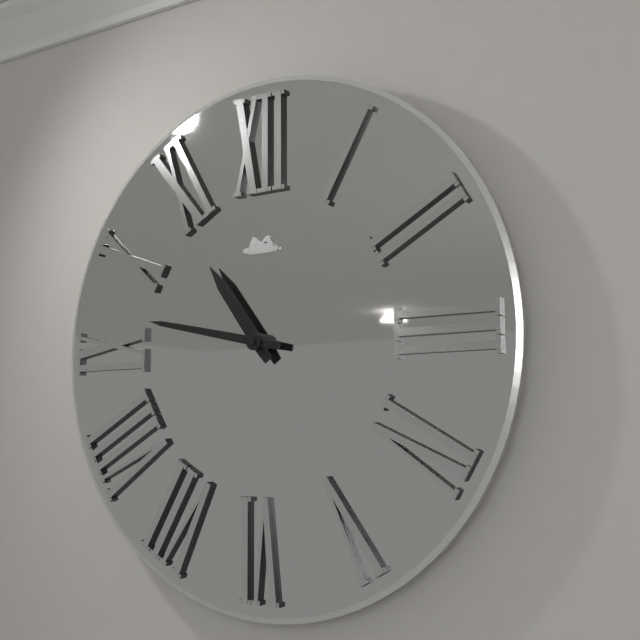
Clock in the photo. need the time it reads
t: 10:47
